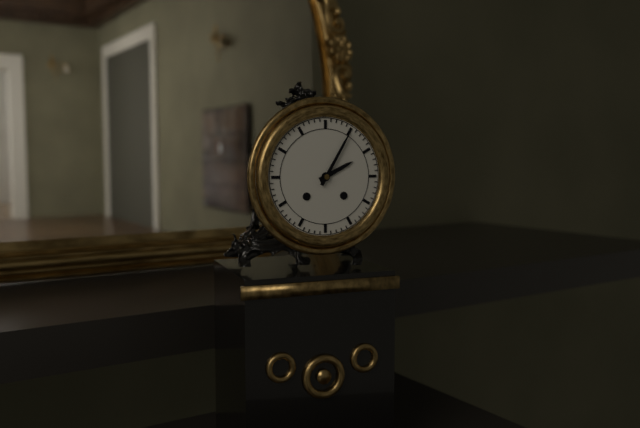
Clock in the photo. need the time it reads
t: 2:05
